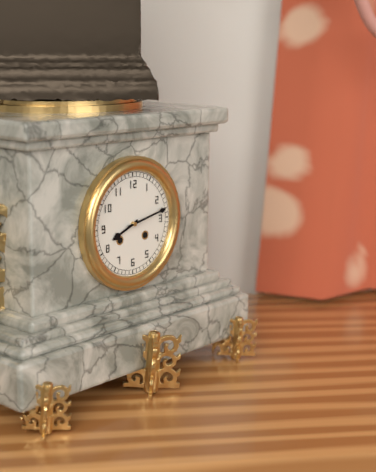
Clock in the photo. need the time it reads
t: 8:13
